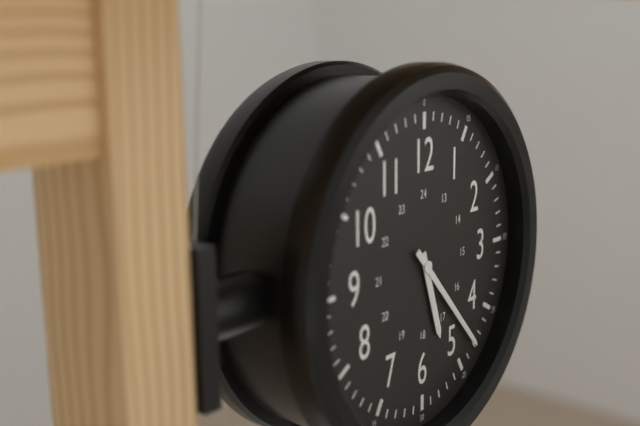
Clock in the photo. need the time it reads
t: 5:23
